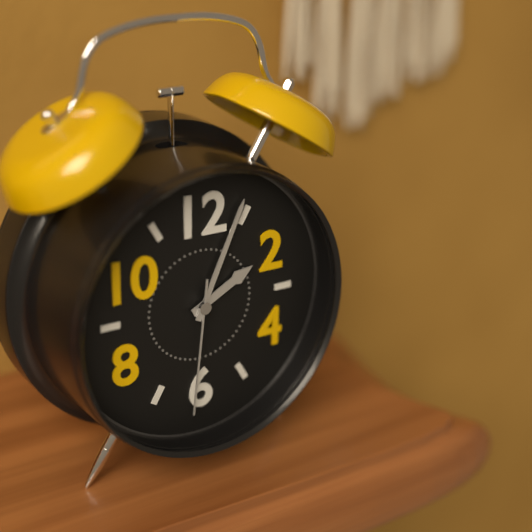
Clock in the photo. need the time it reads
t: 2:04:31
